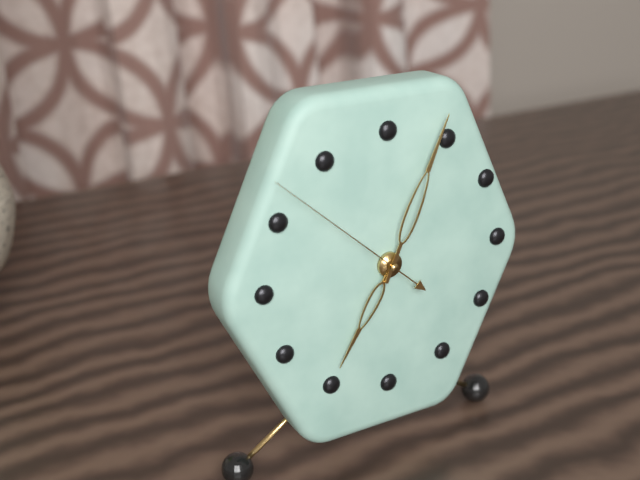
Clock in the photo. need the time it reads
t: 7:04:52
